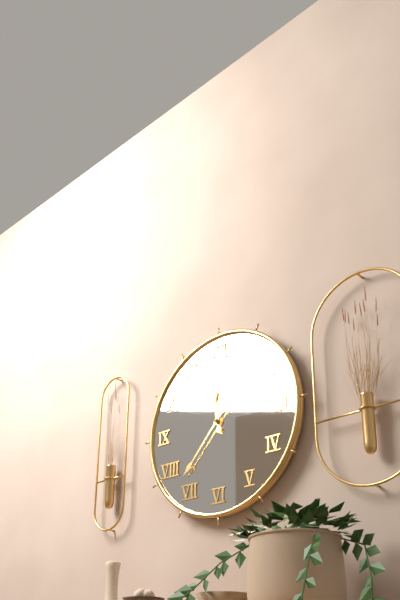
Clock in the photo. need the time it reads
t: 11:37
